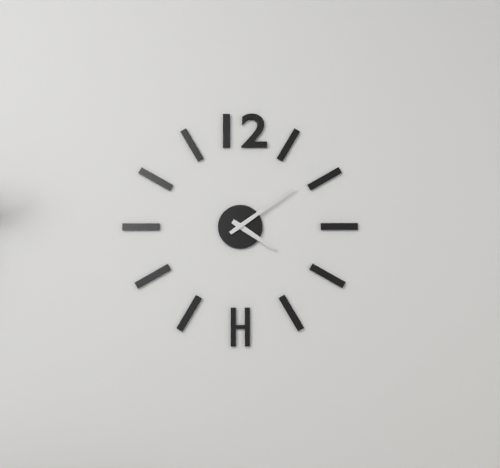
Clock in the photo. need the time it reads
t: 4:09
